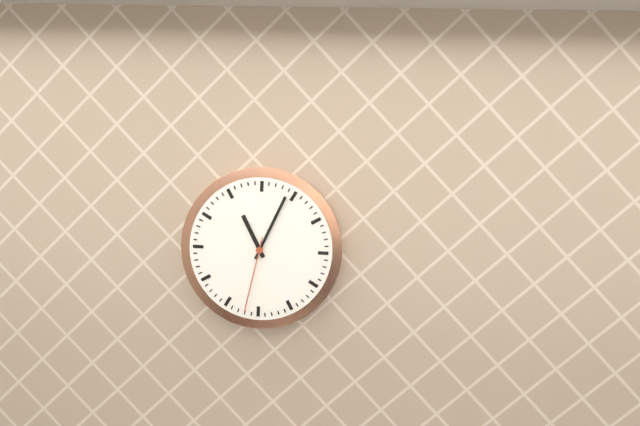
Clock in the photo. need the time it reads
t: 11:04:32
